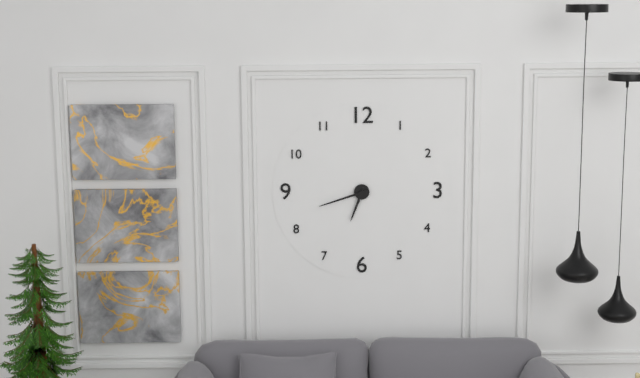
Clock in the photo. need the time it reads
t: 6:42
